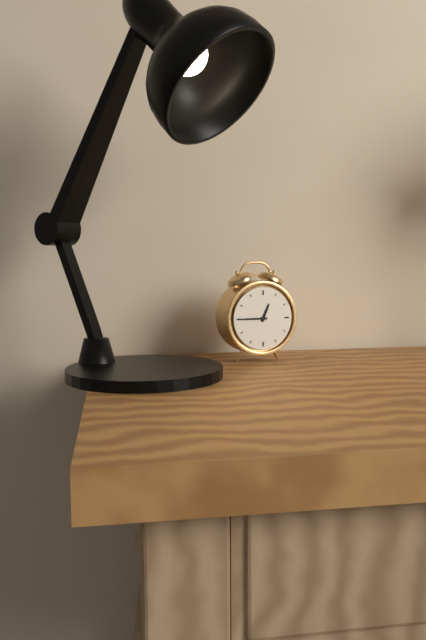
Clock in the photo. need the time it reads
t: 12:45
